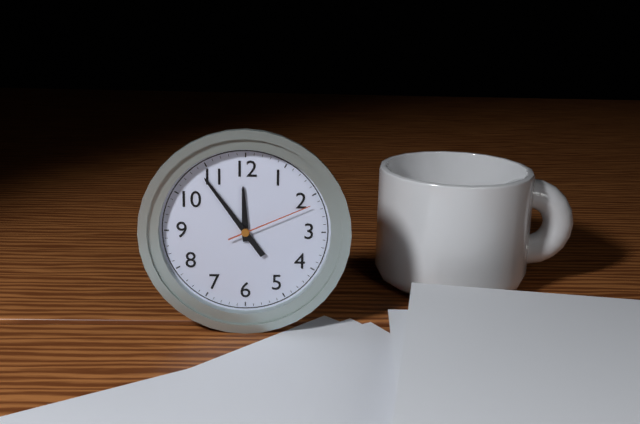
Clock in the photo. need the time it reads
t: 11:54:11
